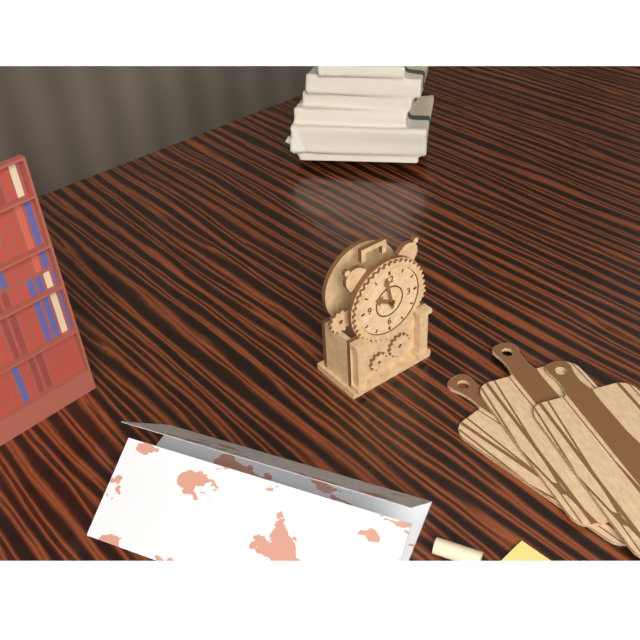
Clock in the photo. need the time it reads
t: 9:58
